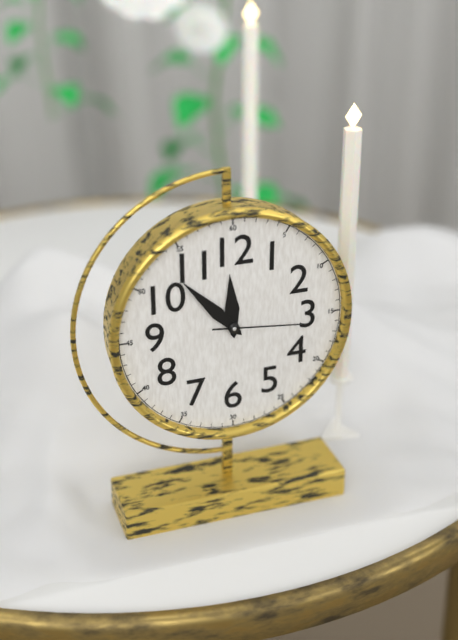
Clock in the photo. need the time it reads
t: 11:53:16
